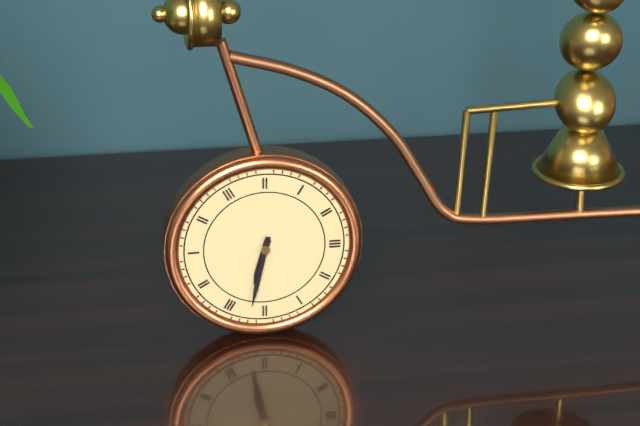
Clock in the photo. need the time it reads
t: 6:32
